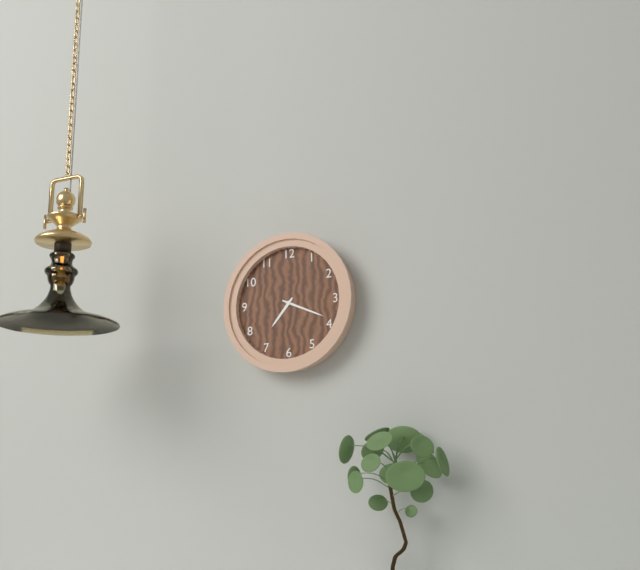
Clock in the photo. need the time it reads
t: 7:19
